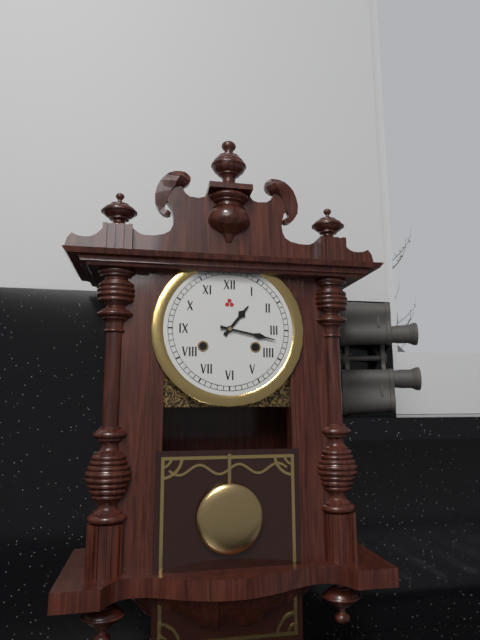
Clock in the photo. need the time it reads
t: 1:17
